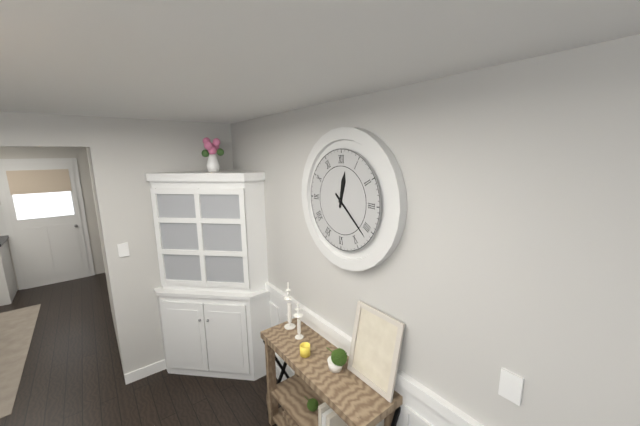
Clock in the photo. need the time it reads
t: 12:22
